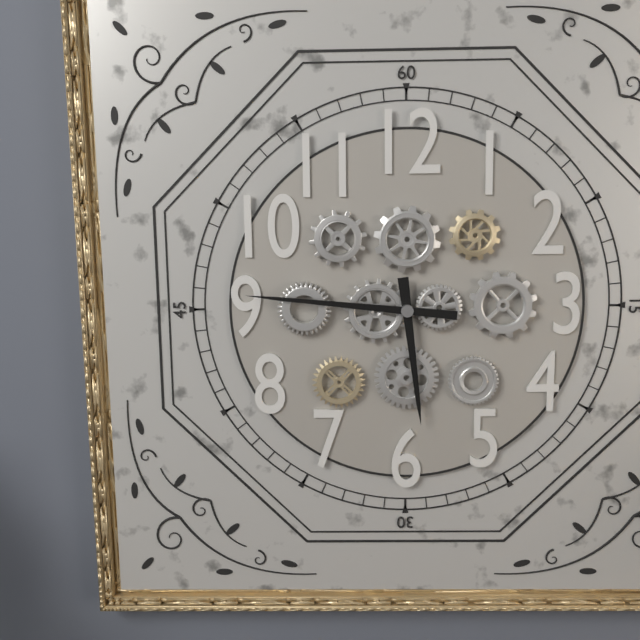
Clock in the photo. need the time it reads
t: 5:46
